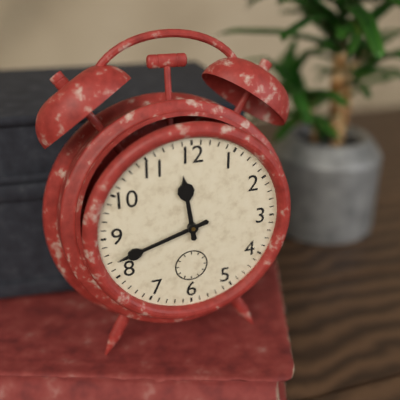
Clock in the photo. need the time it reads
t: 11:42
